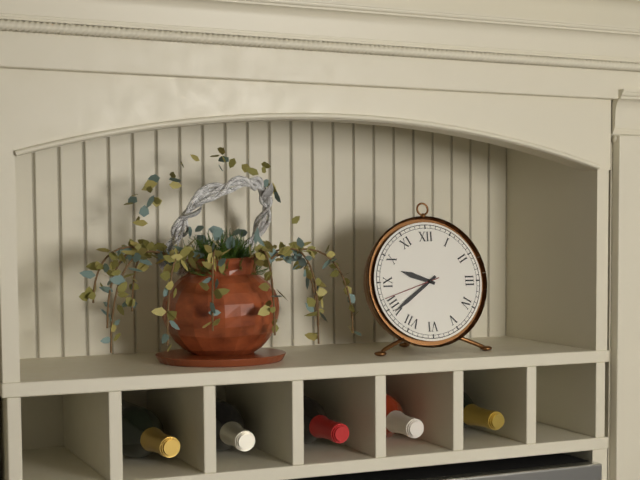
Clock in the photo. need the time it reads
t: 9:39:42
